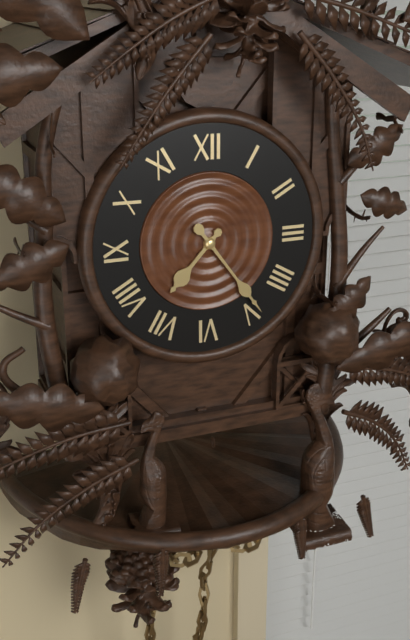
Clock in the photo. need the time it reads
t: 7:24
